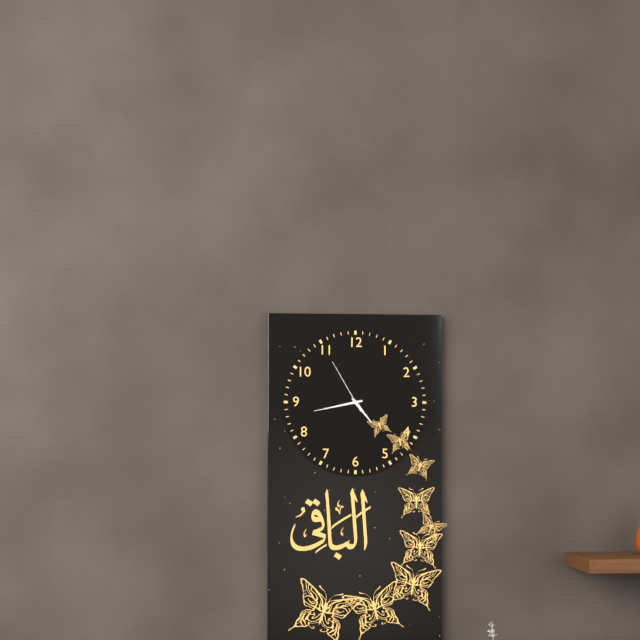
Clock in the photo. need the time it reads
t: 4:43:55
